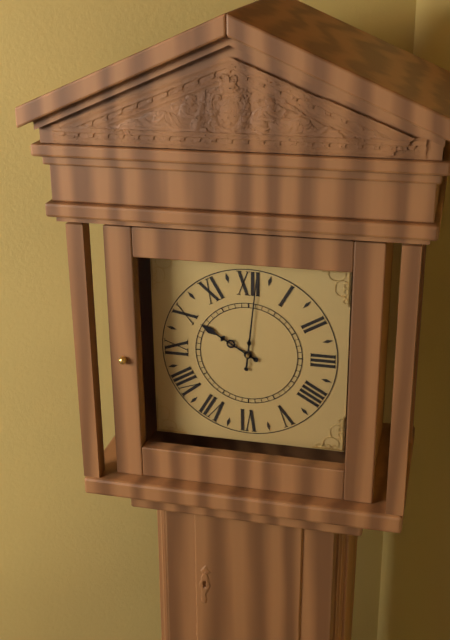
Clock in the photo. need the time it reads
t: 10:01
